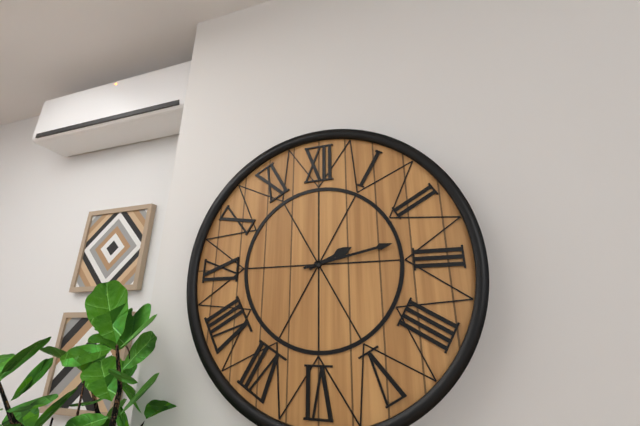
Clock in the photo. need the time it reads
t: 2:13
